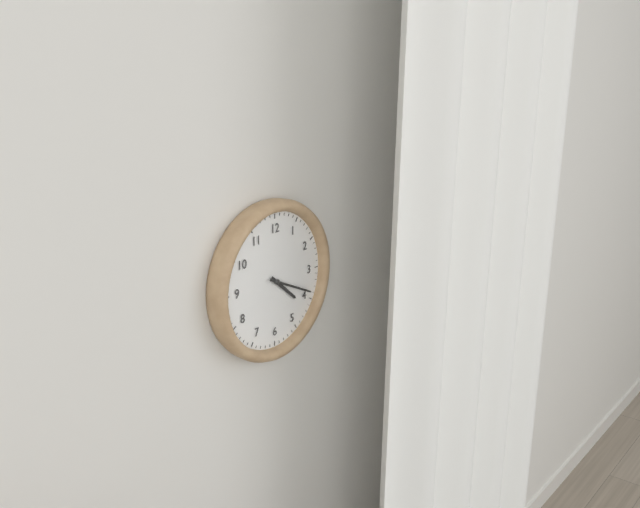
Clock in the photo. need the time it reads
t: 4:19
